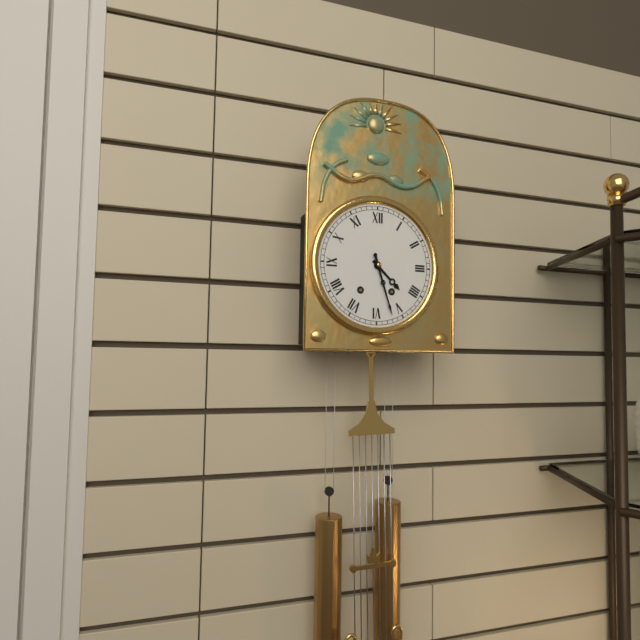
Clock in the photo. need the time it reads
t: 4:27
